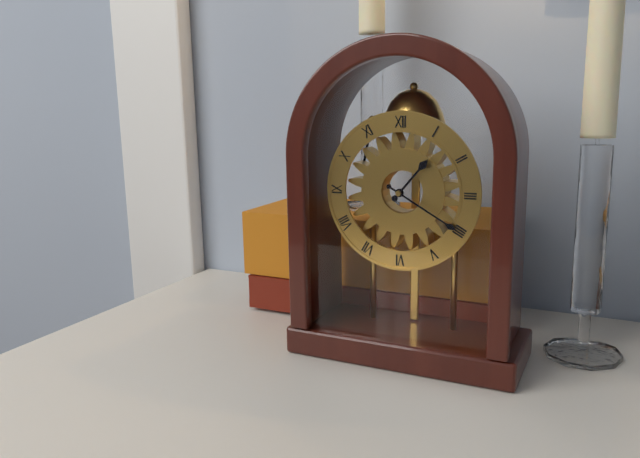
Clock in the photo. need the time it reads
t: 1:20
